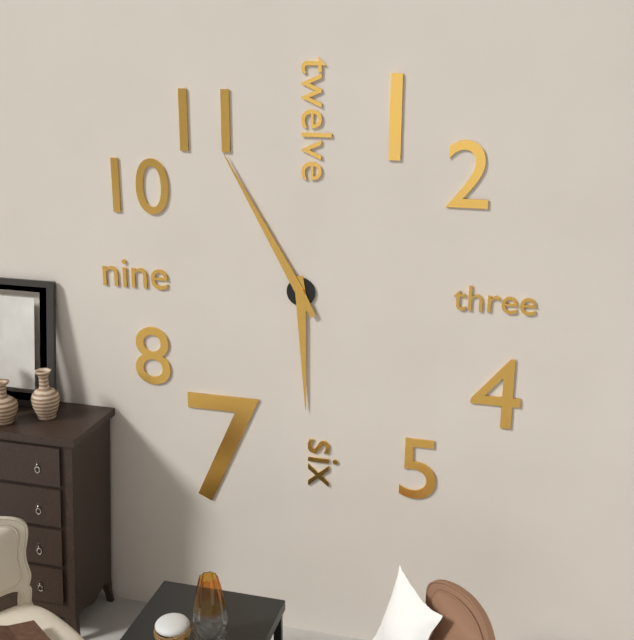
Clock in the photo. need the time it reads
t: 5:55
